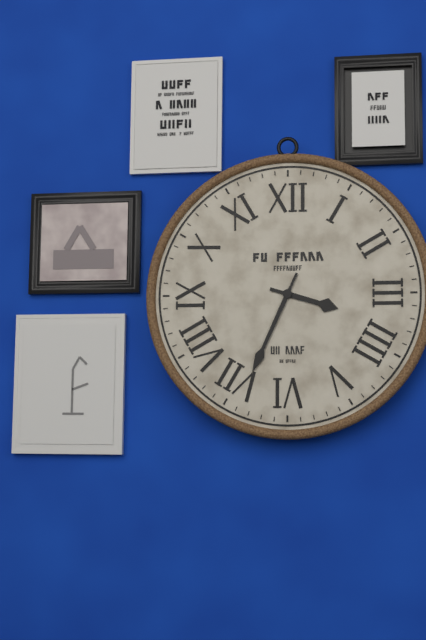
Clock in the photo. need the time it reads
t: 3:34
